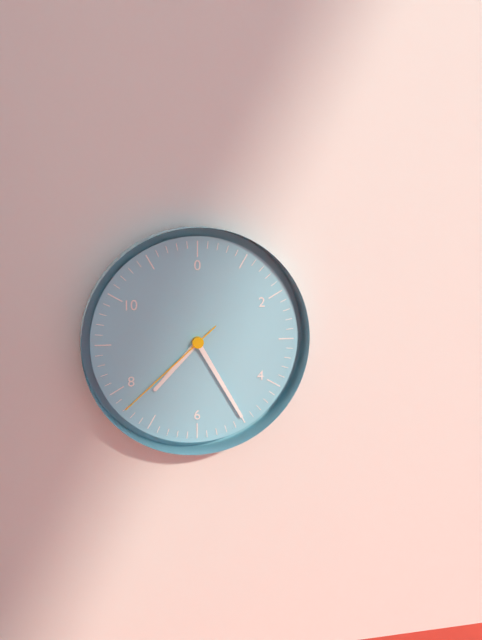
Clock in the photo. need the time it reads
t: 7:25:38
